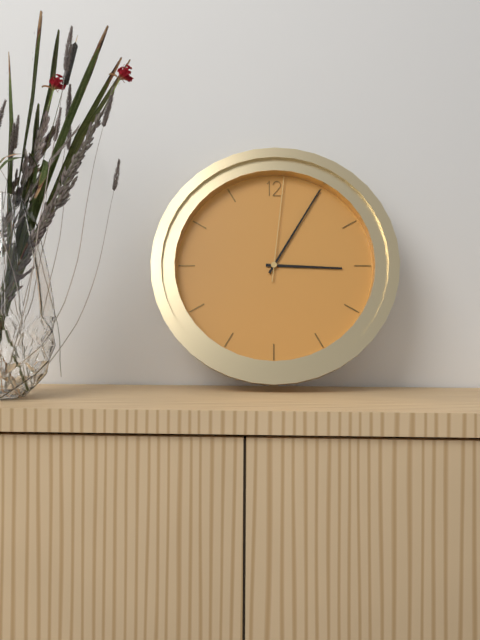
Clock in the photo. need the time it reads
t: 3:05:01
